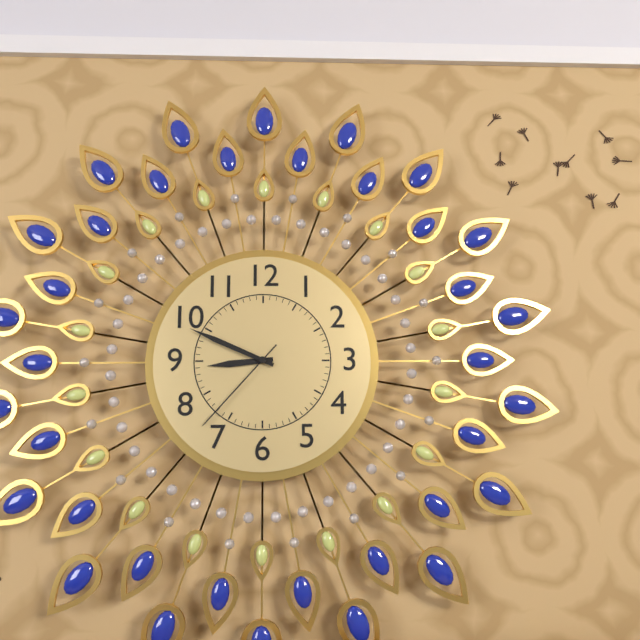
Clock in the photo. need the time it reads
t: 8:49:37
